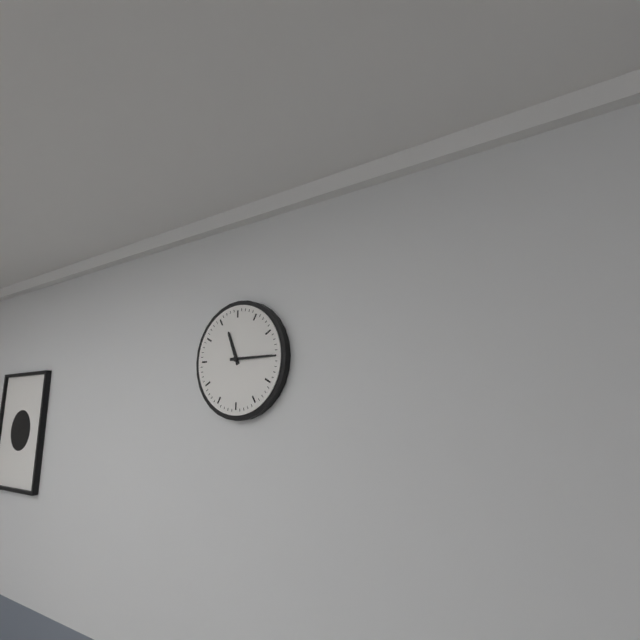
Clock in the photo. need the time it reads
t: 11:15
